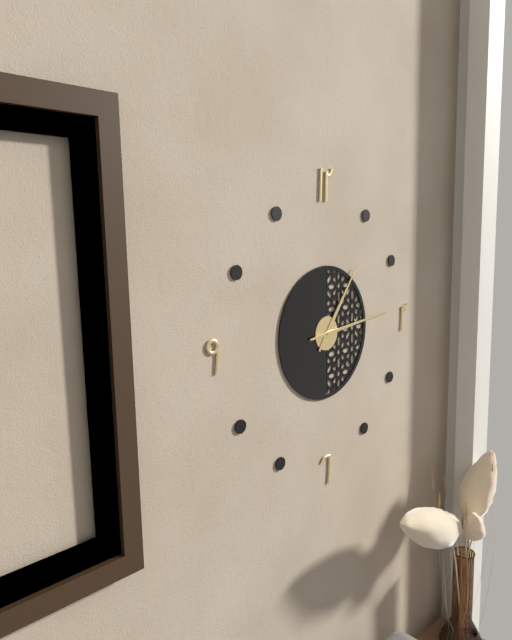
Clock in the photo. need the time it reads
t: 1:14
